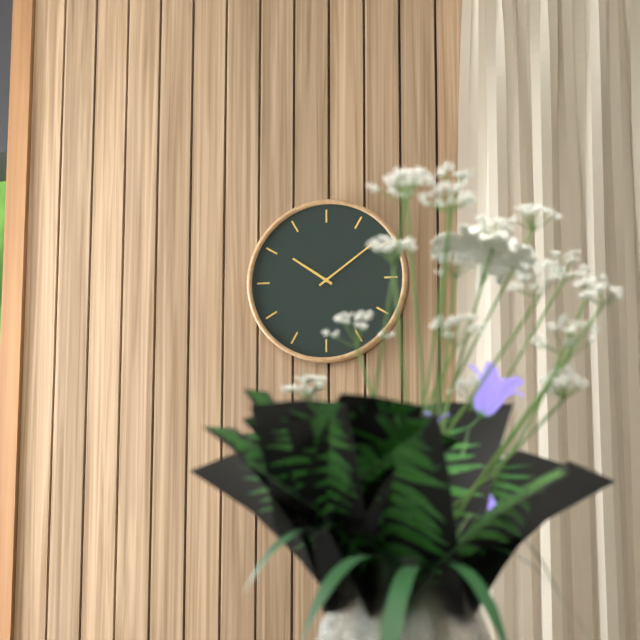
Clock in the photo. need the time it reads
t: 10:09
